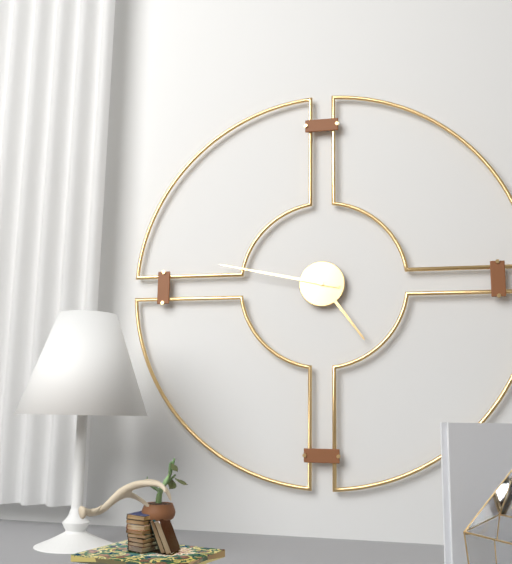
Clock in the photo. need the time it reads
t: 4:47
